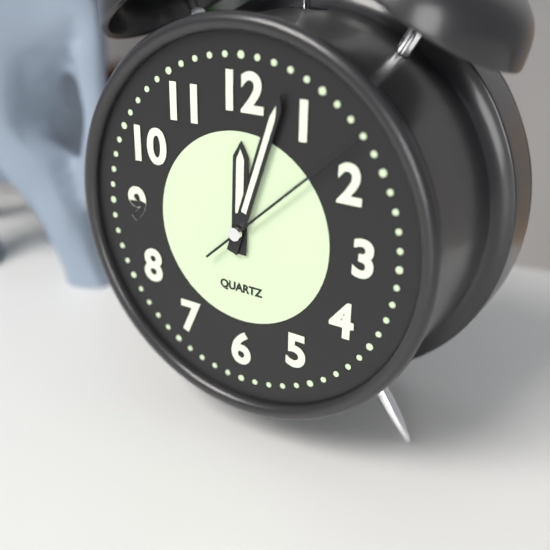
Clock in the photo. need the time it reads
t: 12:03:08
